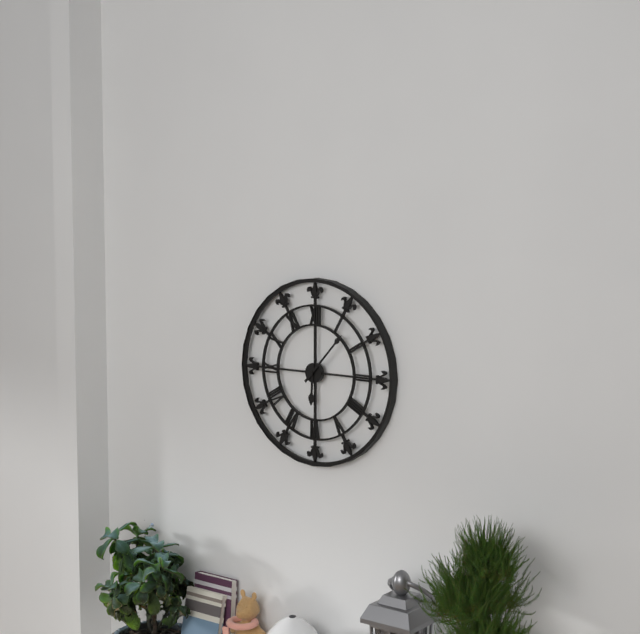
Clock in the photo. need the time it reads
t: 6:07
